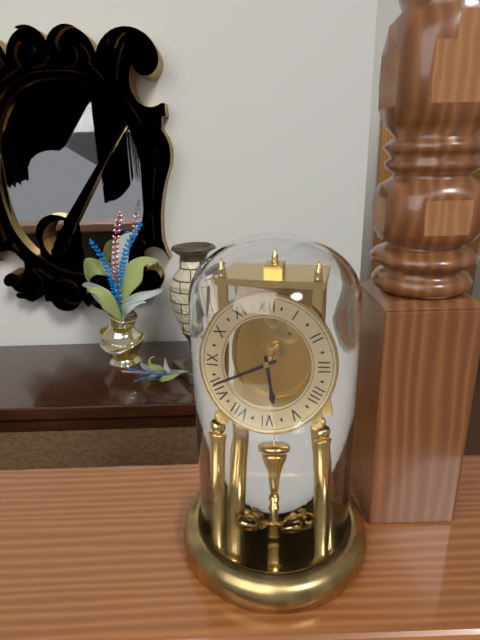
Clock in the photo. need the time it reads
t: 5:41
